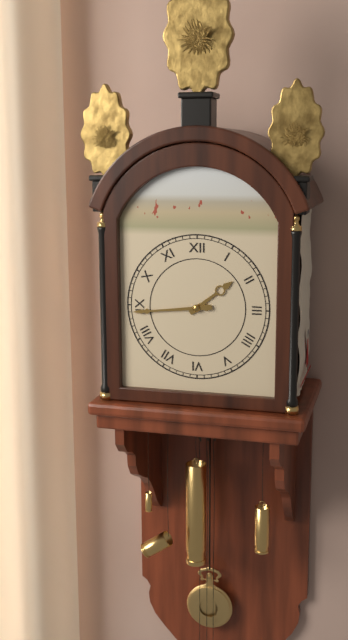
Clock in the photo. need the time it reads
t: 1:44
